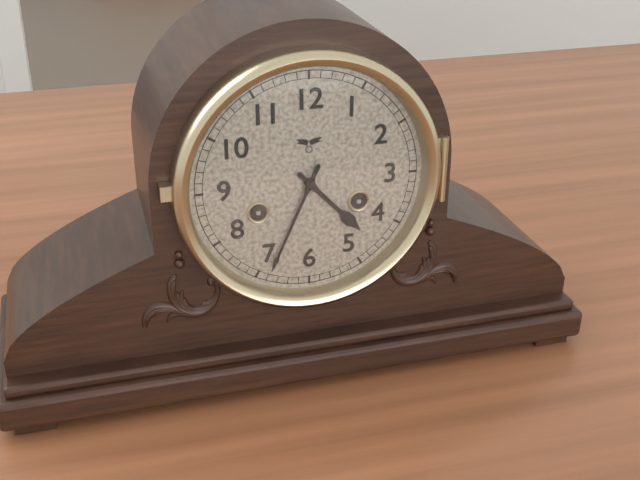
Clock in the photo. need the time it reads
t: 4:34
